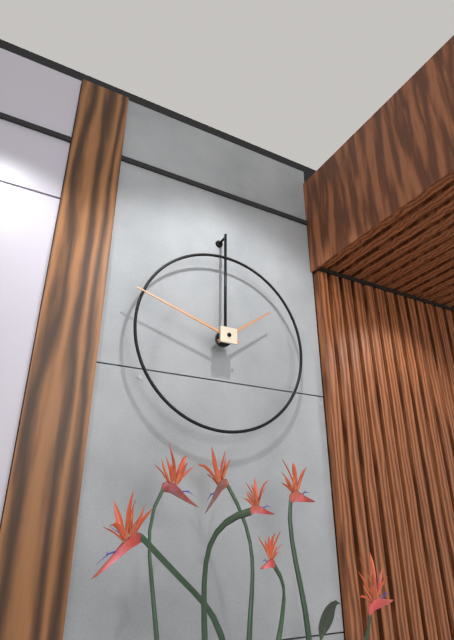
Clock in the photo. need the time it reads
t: 1:48
